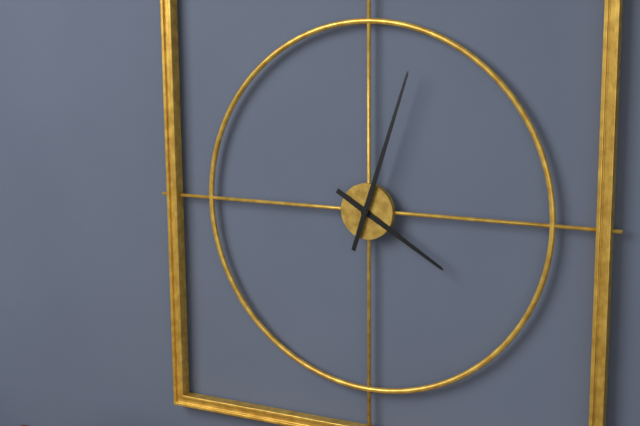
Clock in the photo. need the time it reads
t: 4:03
